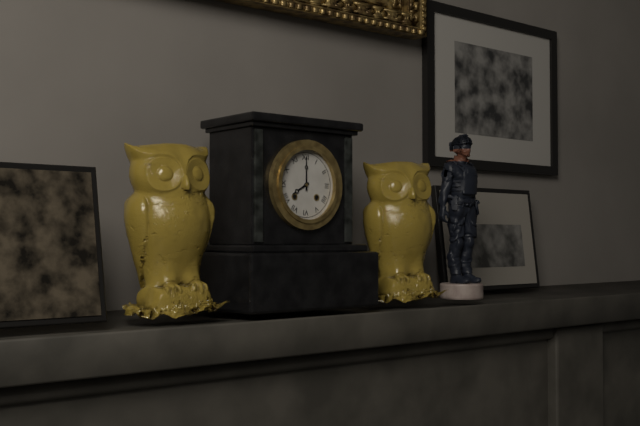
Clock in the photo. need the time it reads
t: 8:00
